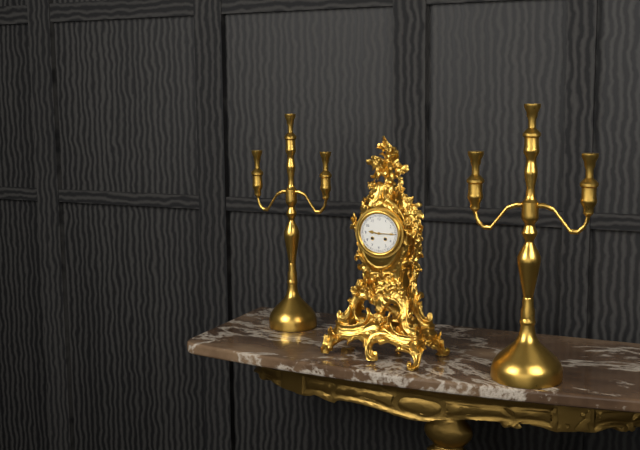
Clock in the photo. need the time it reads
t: 9:15
